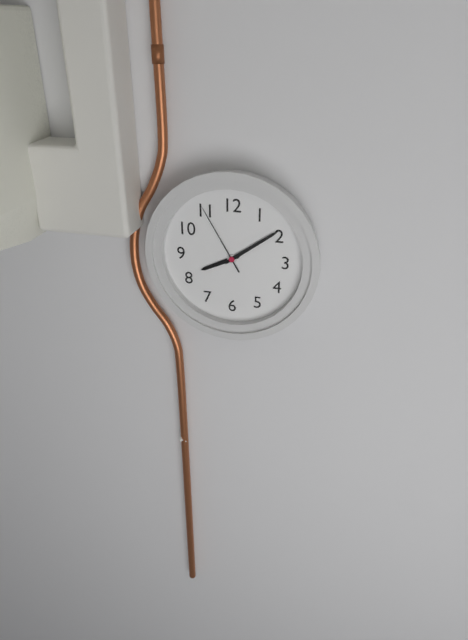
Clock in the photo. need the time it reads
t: 8:09:55
